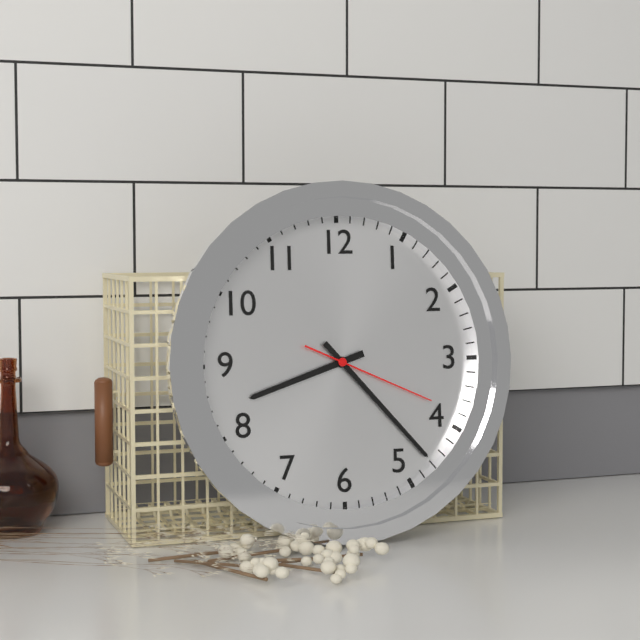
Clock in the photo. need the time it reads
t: 8:23:19
